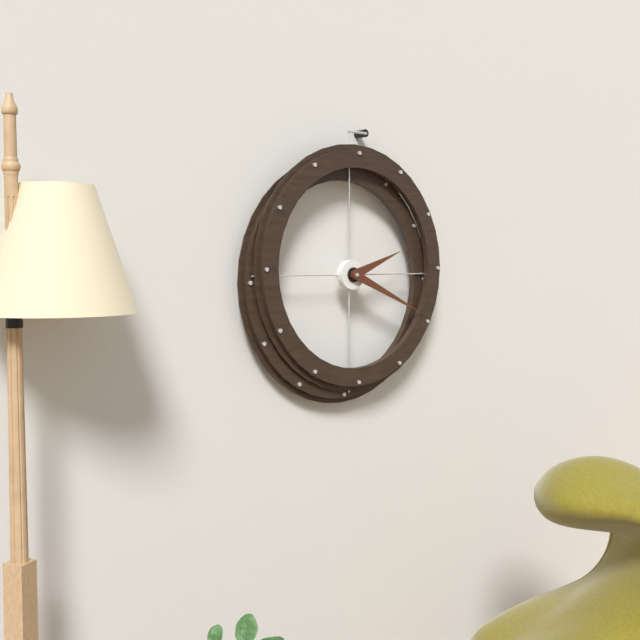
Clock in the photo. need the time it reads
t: 2:19
